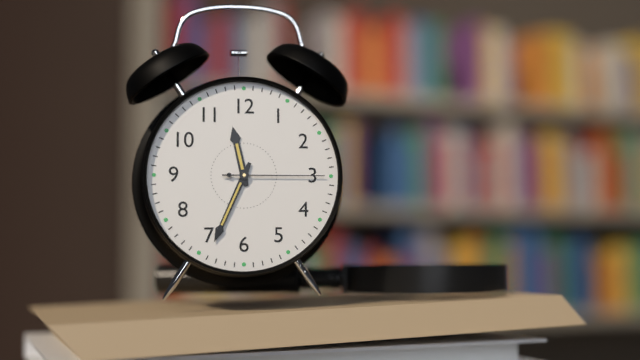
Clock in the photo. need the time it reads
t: 11:34:15
